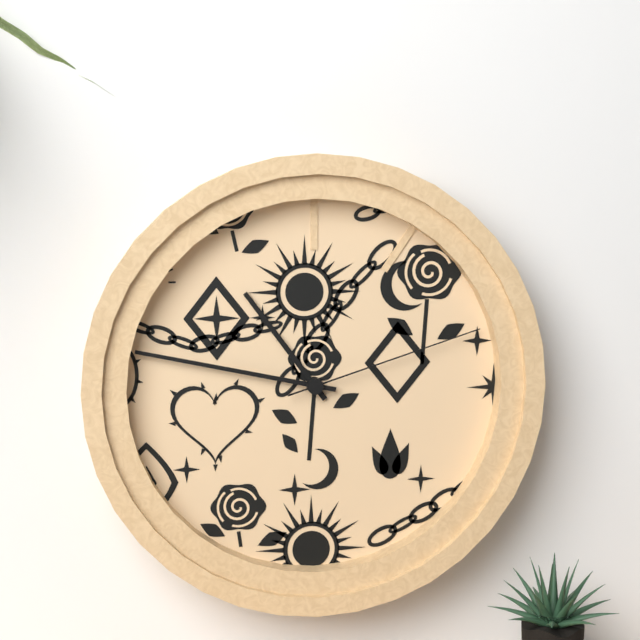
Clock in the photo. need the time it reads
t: 10:47:12
